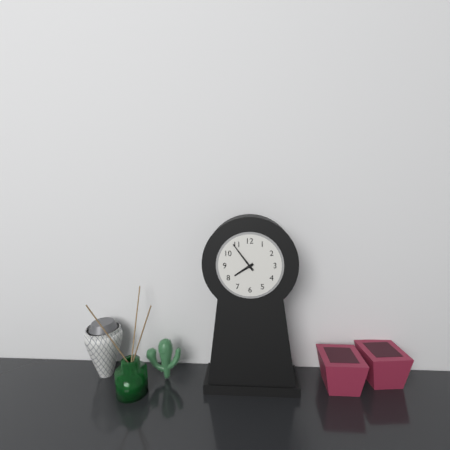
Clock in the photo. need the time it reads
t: 7:54
